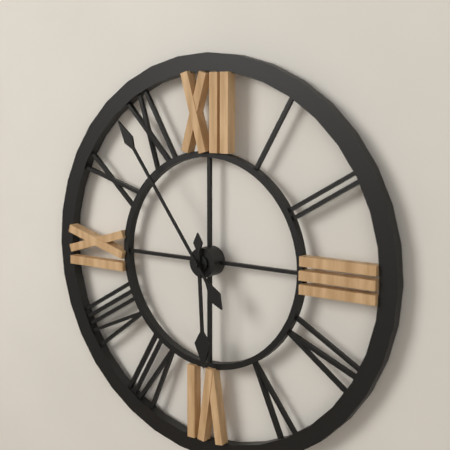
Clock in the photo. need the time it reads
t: 5:54
